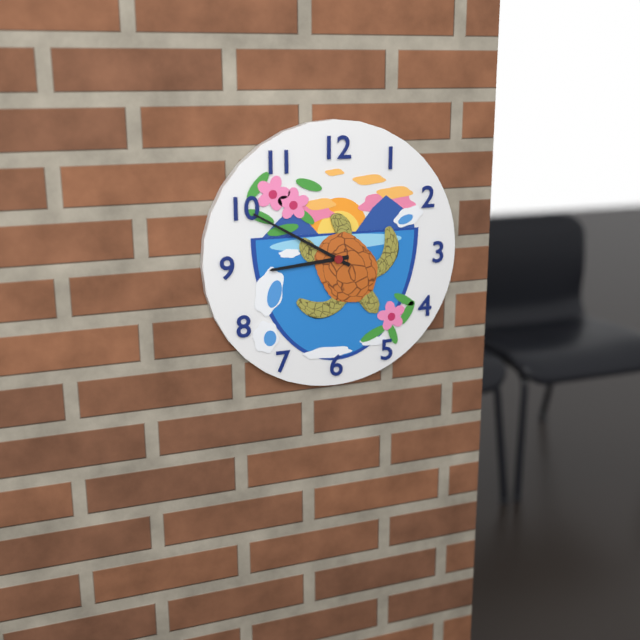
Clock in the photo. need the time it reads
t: 8:50
